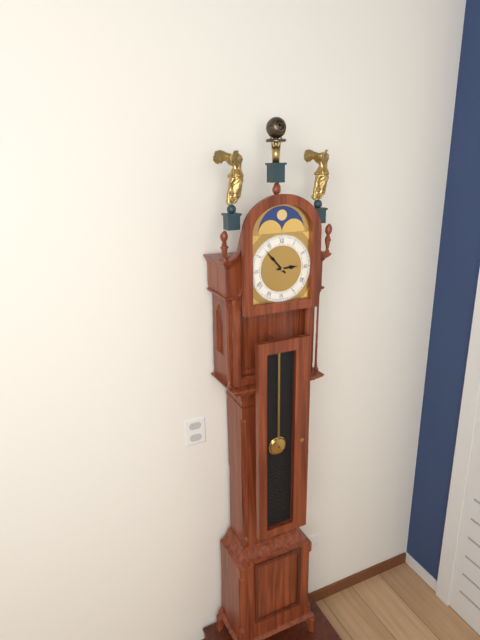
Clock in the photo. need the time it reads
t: 2:53
